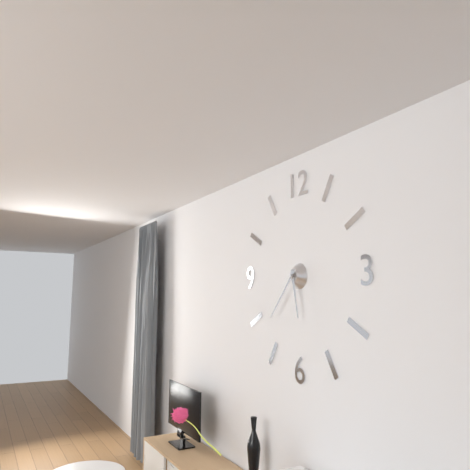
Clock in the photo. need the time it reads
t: 5:37
